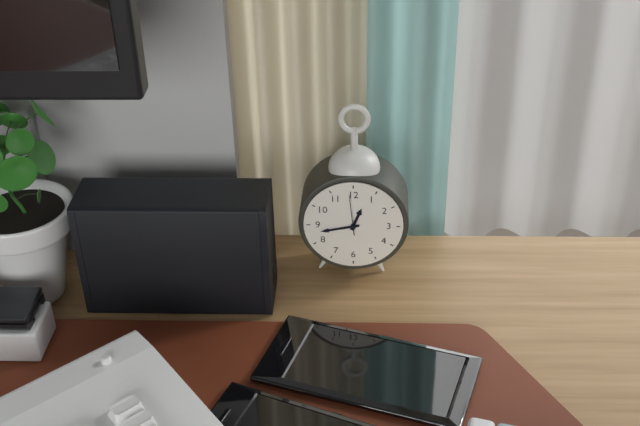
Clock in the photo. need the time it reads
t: 12:43
